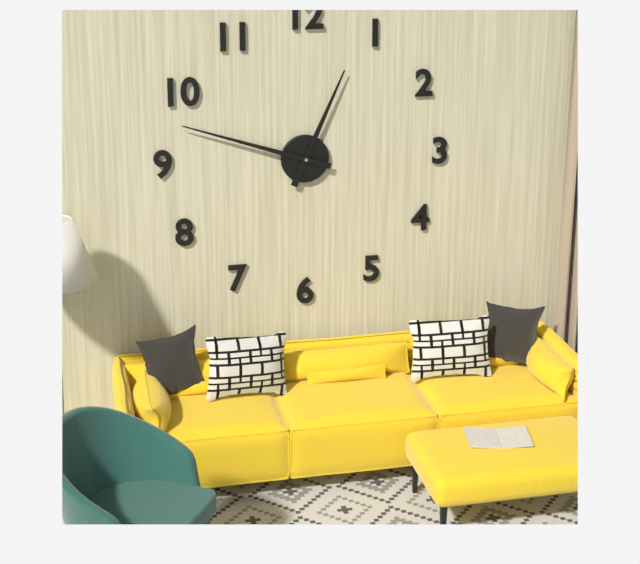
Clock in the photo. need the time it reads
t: 12:48
